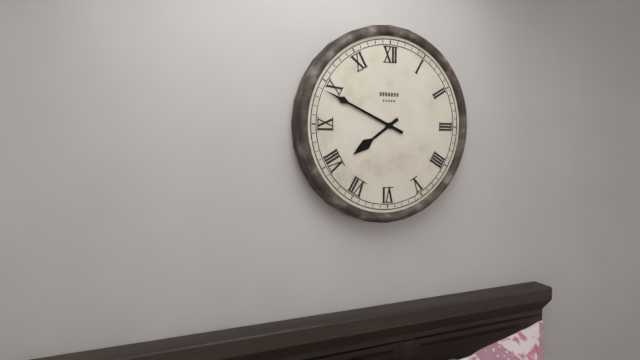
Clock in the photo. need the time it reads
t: 7:49
